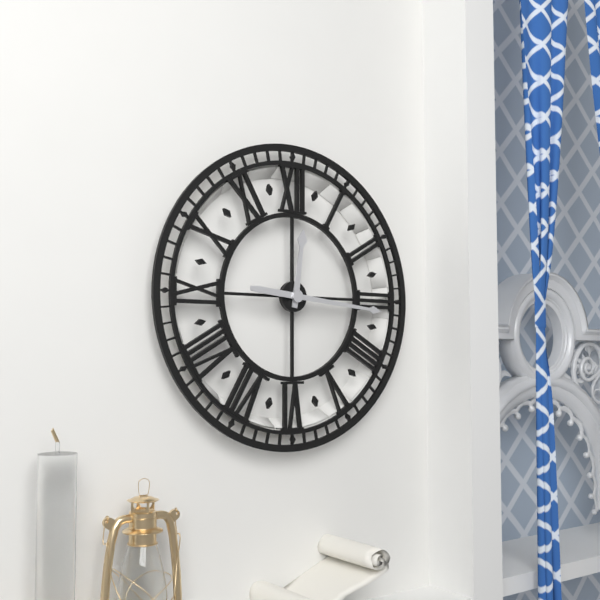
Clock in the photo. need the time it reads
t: 12:16
